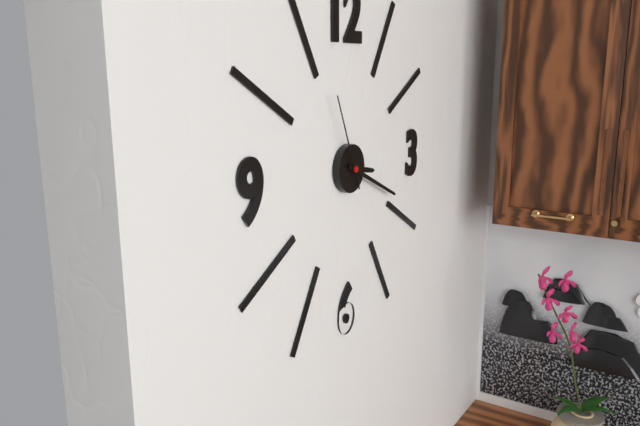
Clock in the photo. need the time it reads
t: 3:19:56
